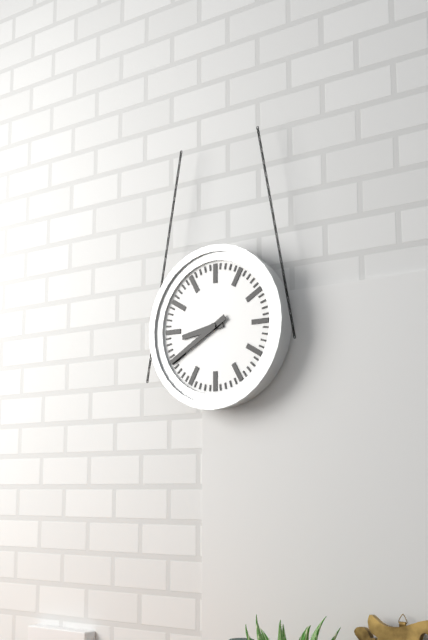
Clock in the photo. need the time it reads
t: 8:40
